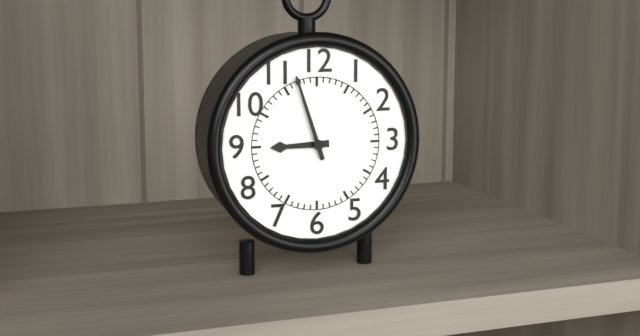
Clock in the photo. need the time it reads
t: 8:57
